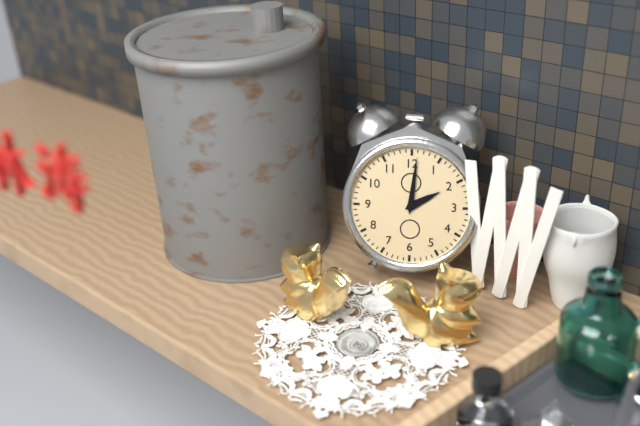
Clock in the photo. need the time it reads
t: 2:01
